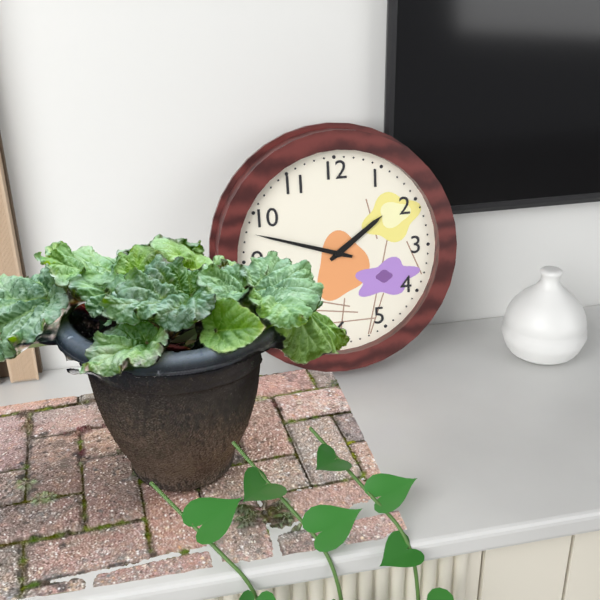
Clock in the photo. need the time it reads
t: 1:48
